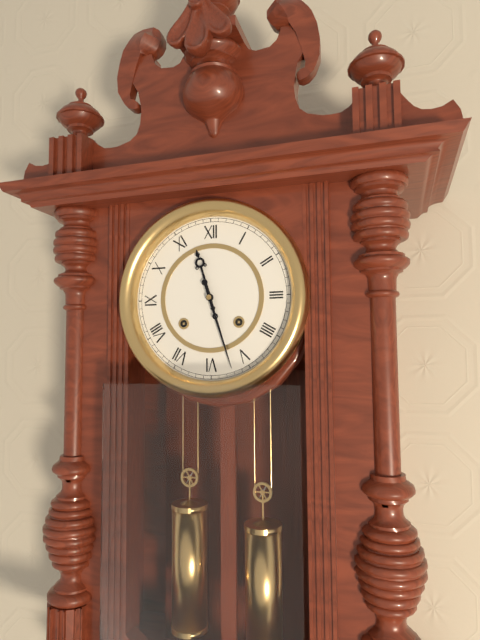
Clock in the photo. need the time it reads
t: 11:27
